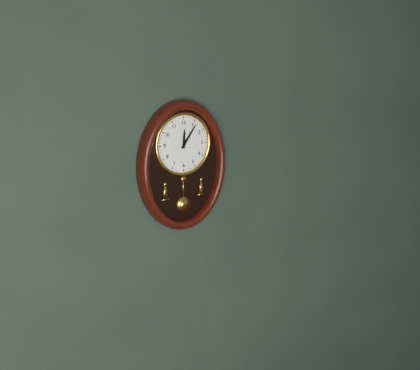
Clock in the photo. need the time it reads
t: 12:06
